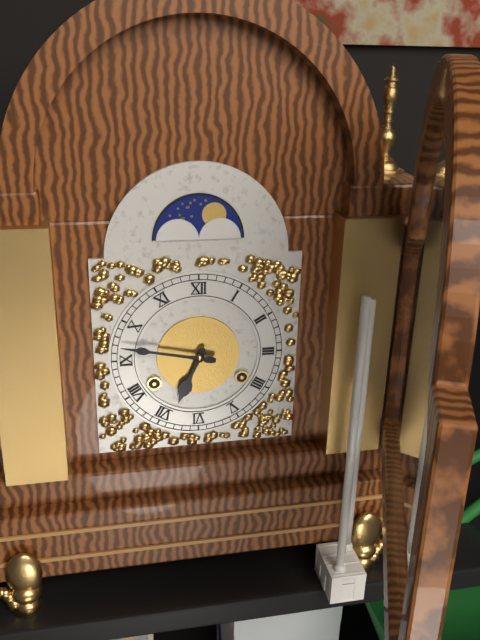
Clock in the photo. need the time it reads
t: 6:47
